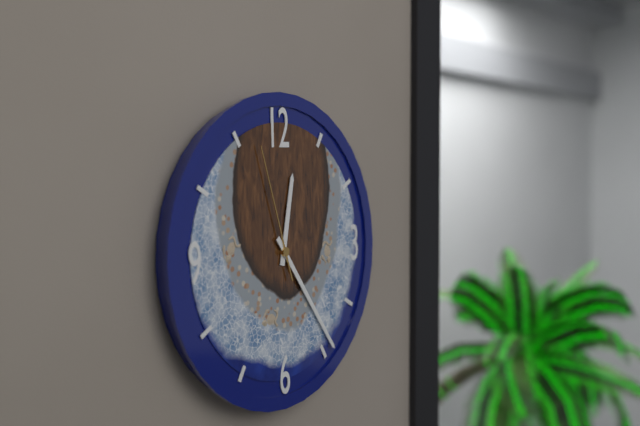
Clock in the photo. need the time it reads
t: 12:24:57
